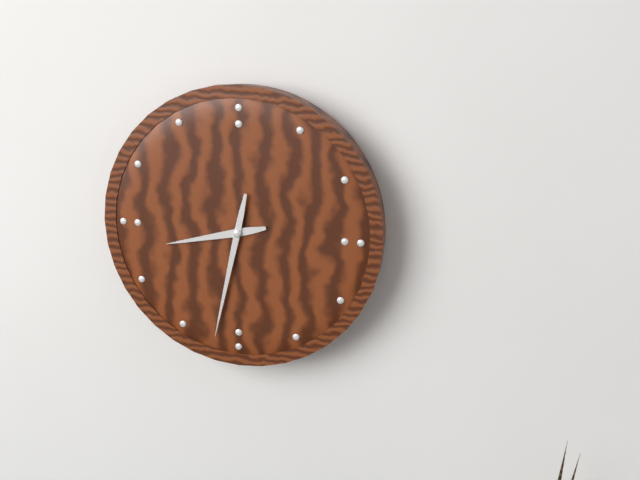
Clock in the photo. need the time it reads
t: 8:32
